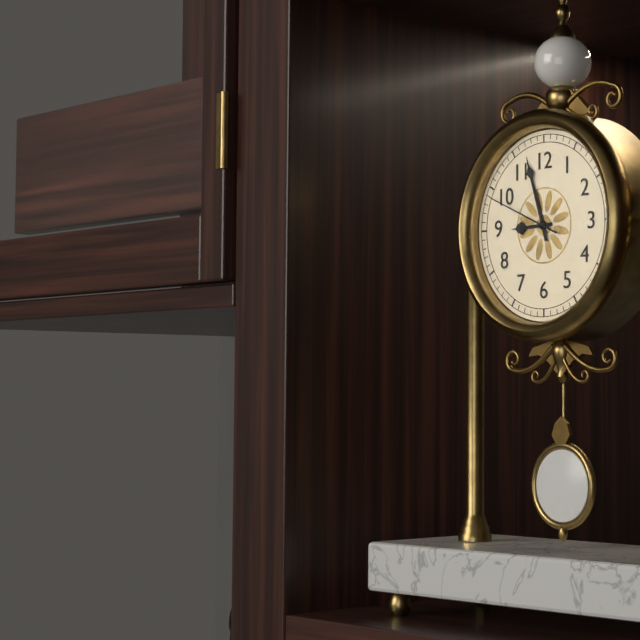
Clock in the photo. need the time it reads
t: 8:57:49
